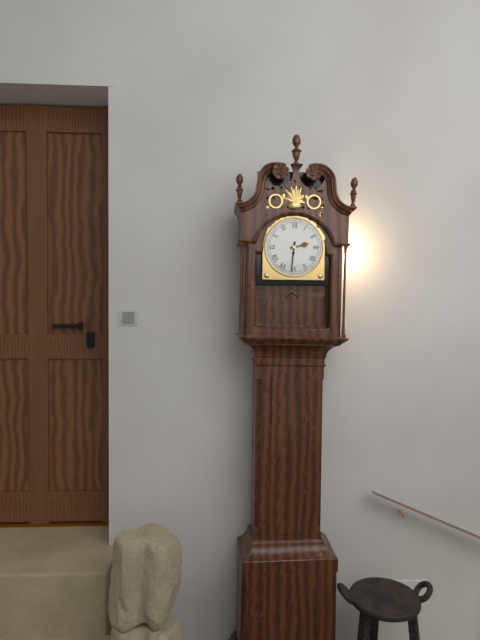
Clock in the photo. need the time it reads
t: 2:31
